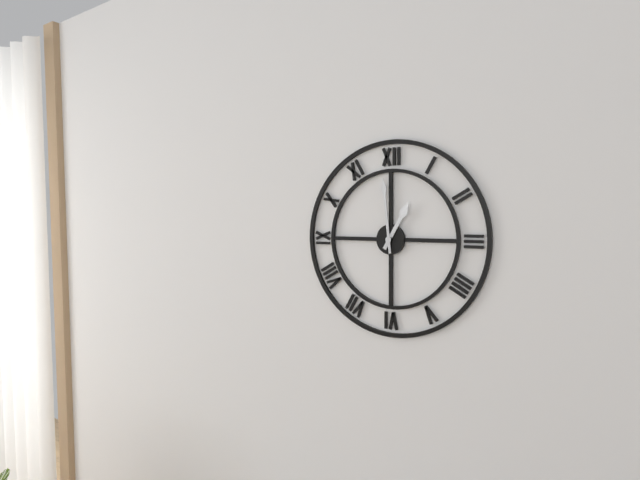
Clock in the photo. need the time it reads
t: 12:59
